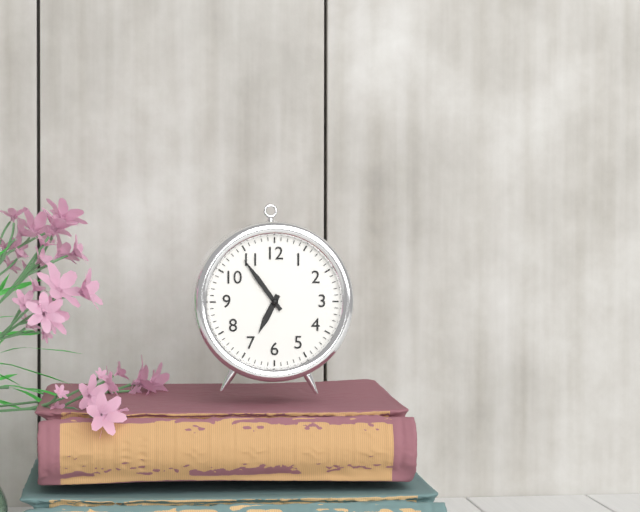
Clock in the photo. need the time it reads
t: 6:54
